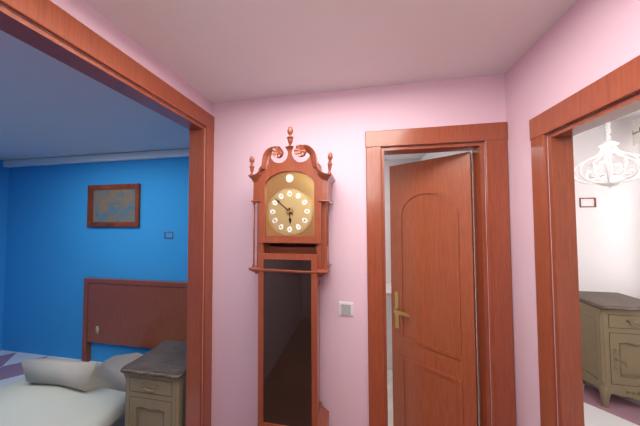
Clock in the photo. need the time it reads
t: 5:52
